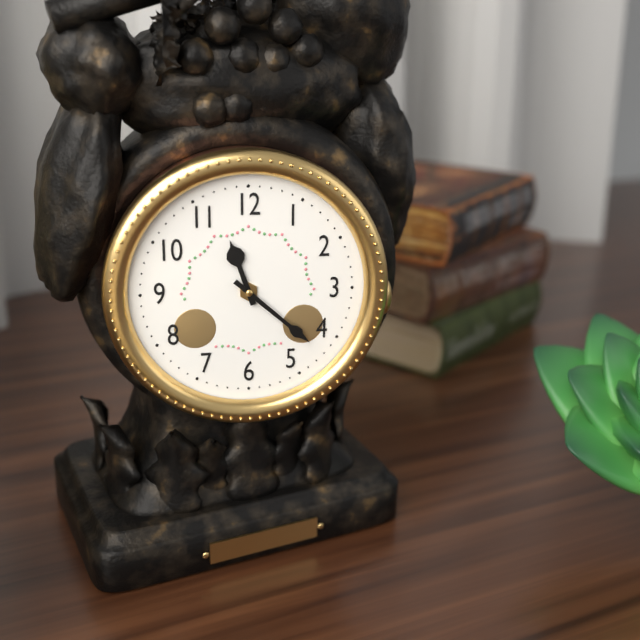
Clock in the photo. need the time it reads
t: 11:22
